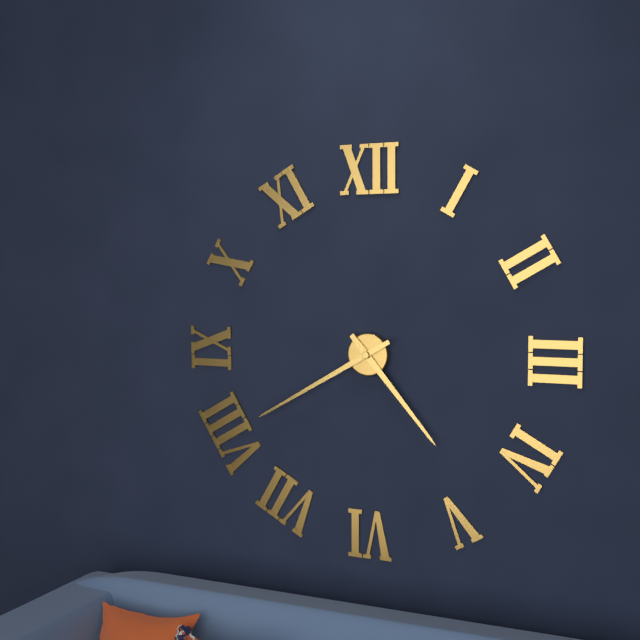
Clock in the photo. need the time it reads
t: 4:40
